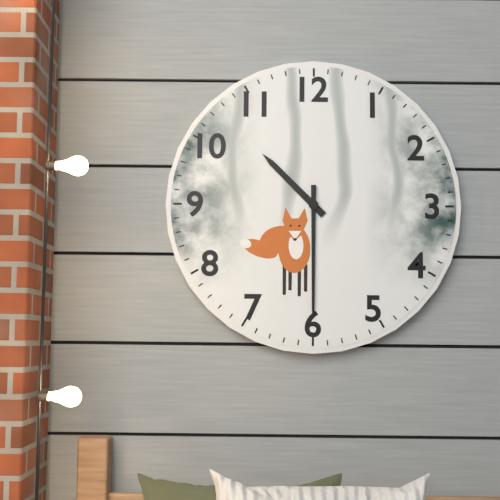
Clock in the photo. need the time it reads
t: 10:30
